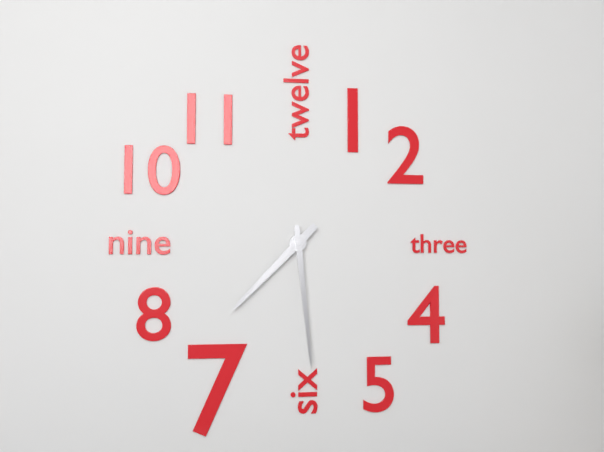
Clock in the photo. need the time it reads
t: 7:29
